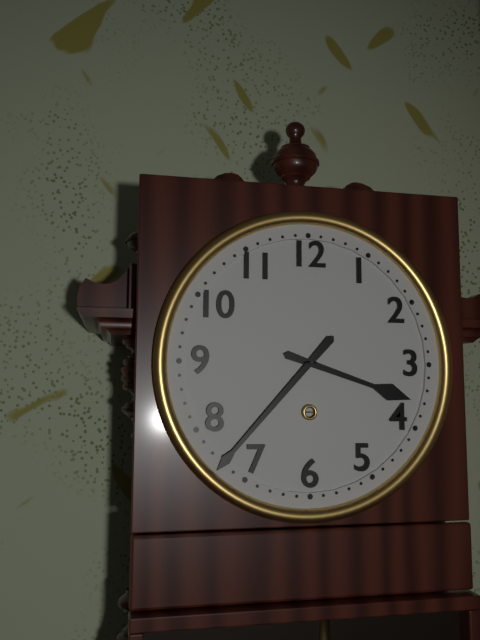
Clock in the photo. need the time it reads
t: 3:37
